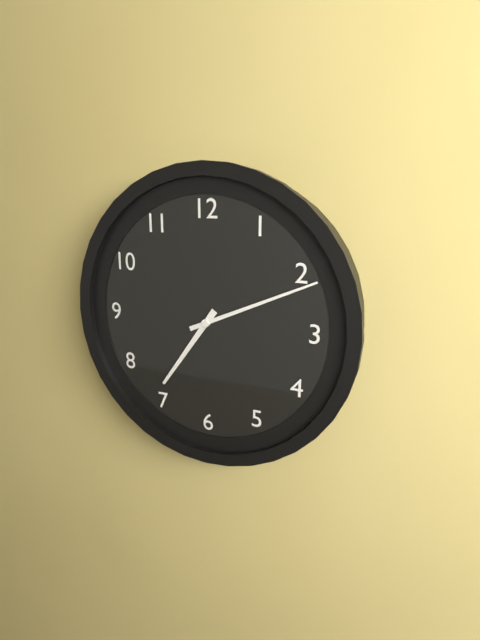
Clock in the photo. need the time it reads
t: 7:11
